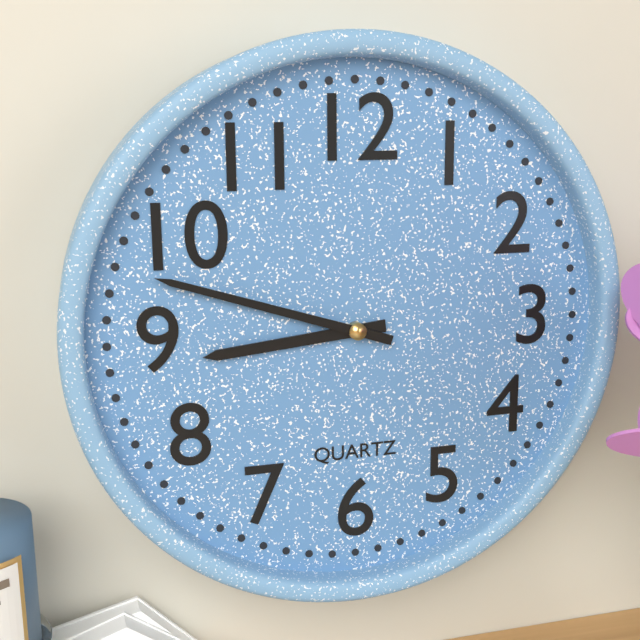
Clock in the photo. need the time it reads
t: 8:48
